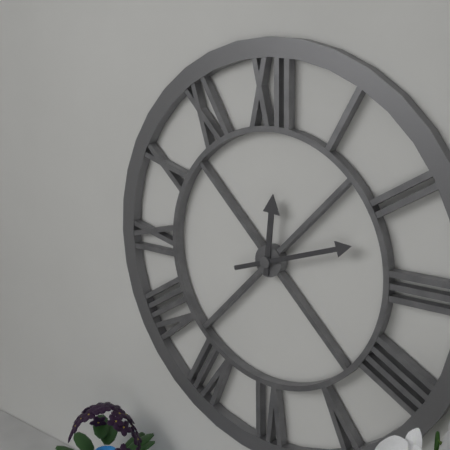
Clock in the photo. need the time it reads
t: 12:12
